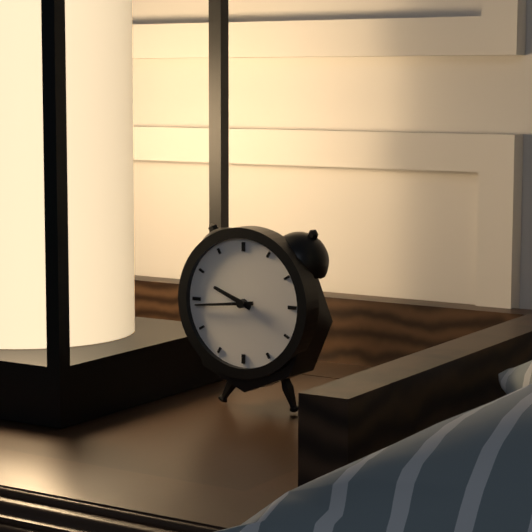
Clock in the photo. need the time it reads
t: 9:44
